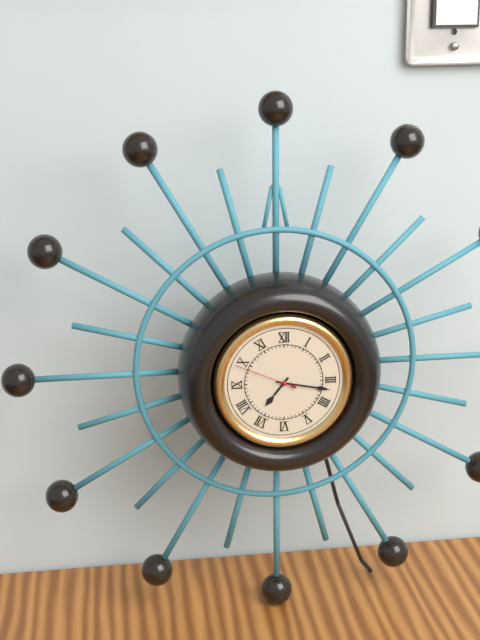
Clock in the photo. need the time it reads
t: 7:17:49
